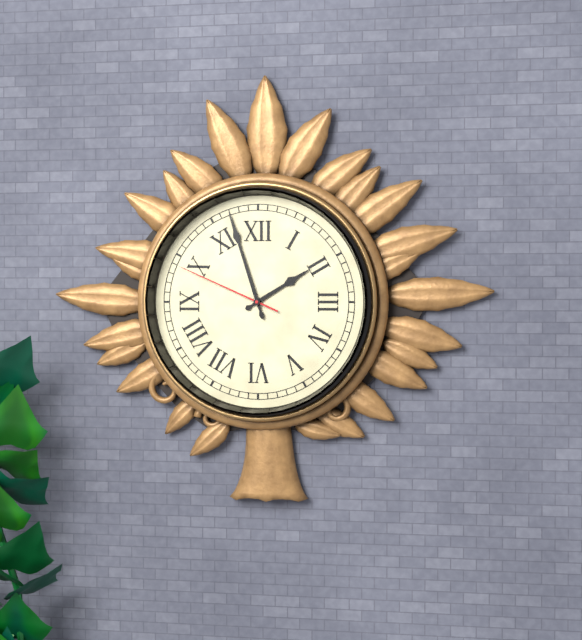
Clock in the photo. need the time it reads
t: 1:57:49
